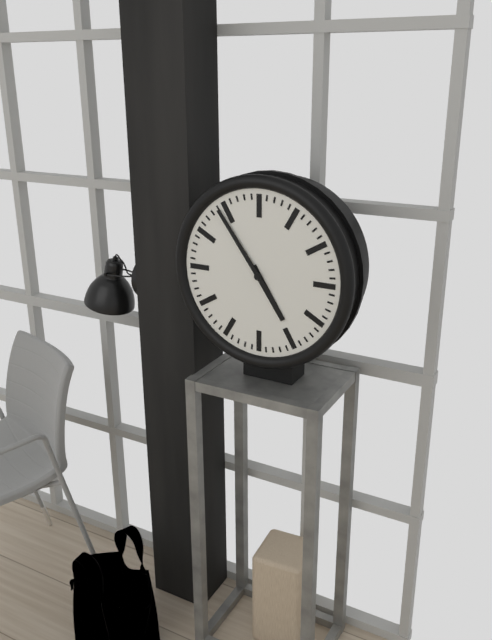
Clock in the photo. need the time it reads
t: 4:54
